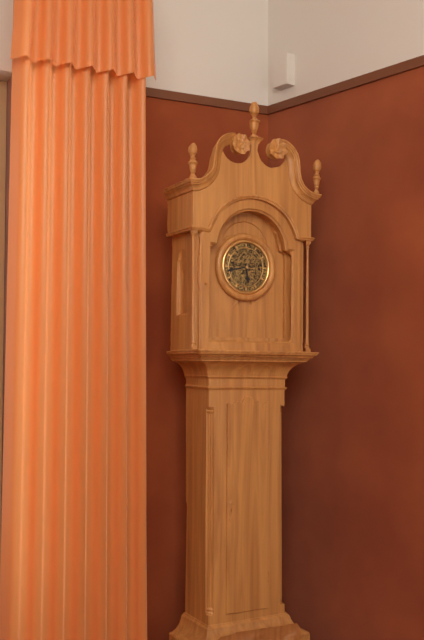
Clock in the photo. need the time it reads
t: 5:43
